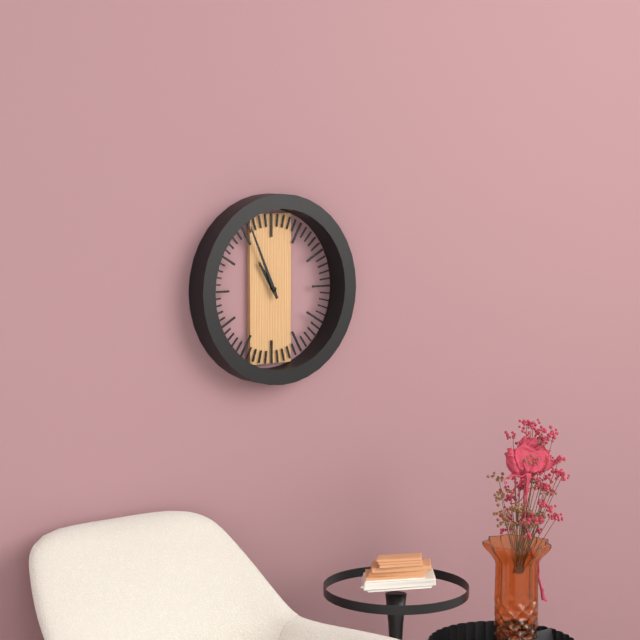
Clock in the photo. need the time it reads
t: 10:56
